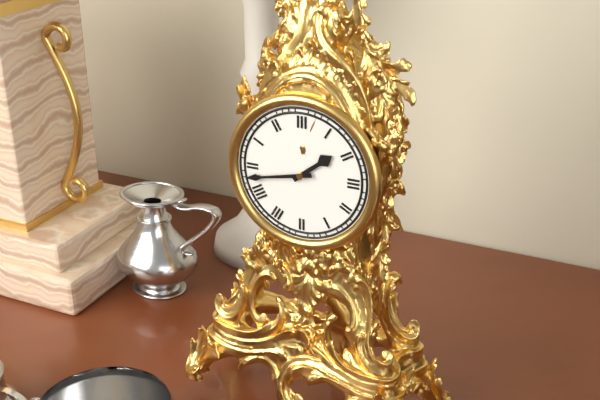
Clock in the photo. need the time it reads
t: 1:43
